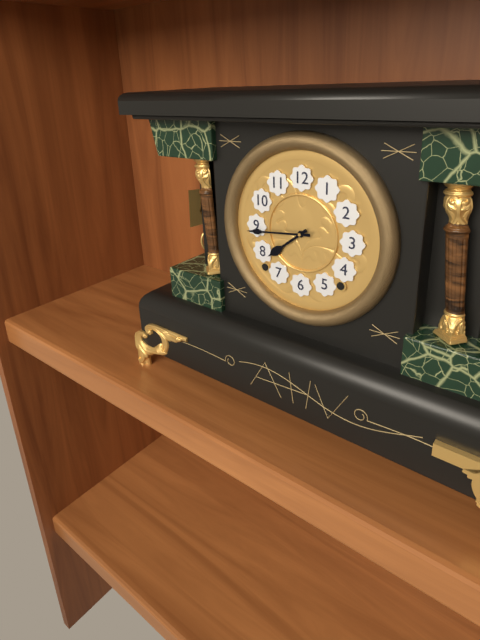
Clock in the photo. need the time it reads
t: 7:44
